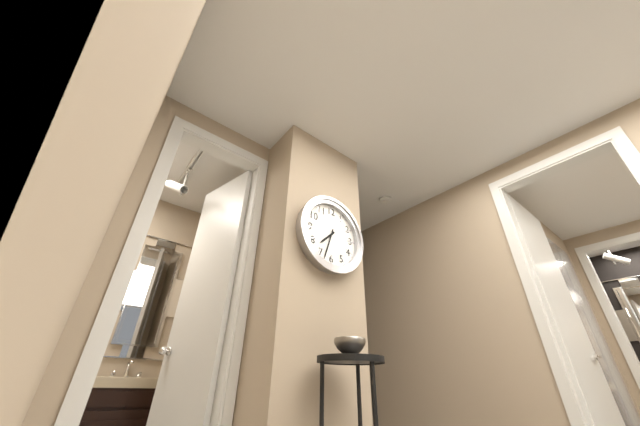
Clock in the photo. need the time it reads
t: 7:33
